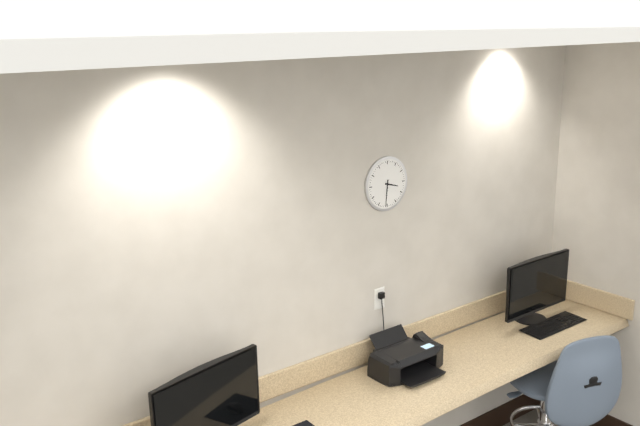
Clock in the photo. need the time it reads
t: 3:31
